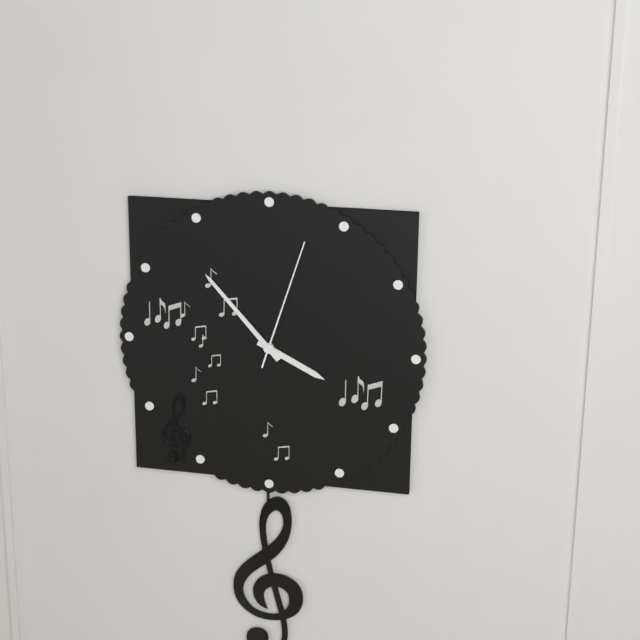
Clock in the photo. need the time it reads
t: 3:53:03
